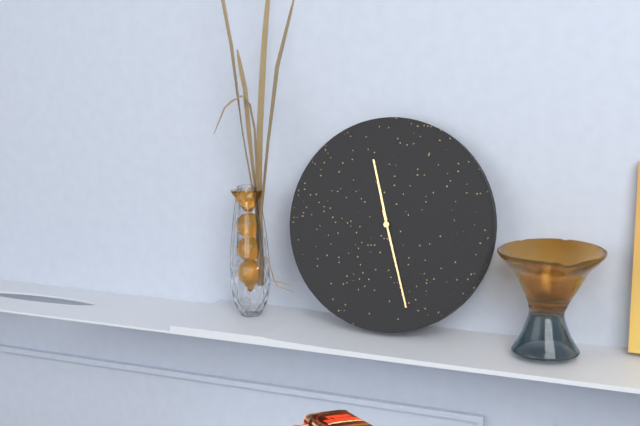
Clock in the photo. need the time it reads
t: 11:27
